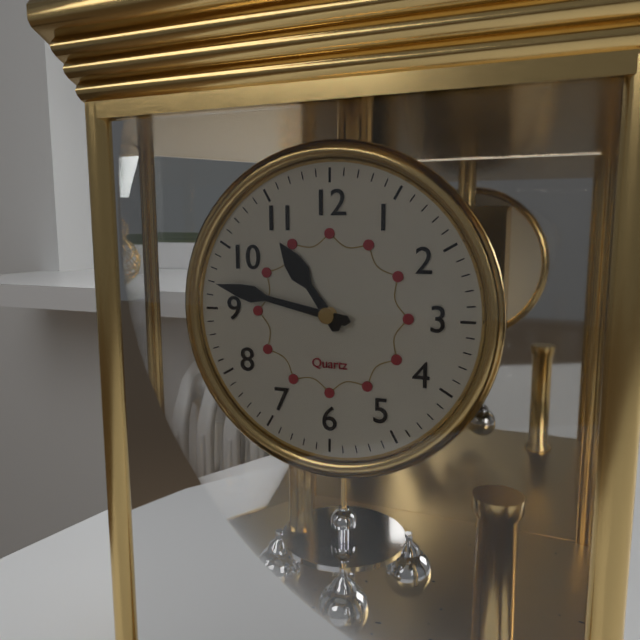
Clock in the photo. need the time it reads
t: 10:47
